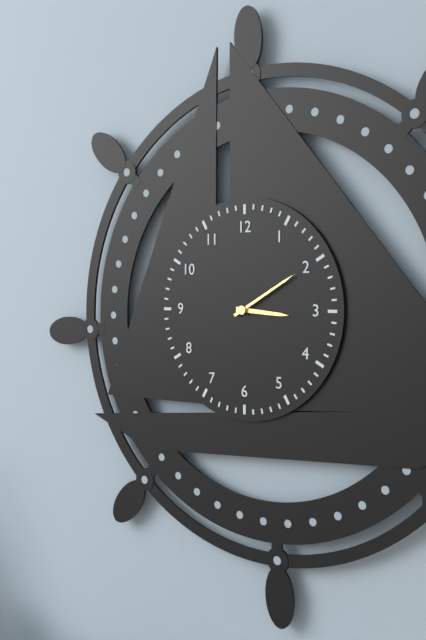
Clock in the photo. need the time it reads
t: 3:10
